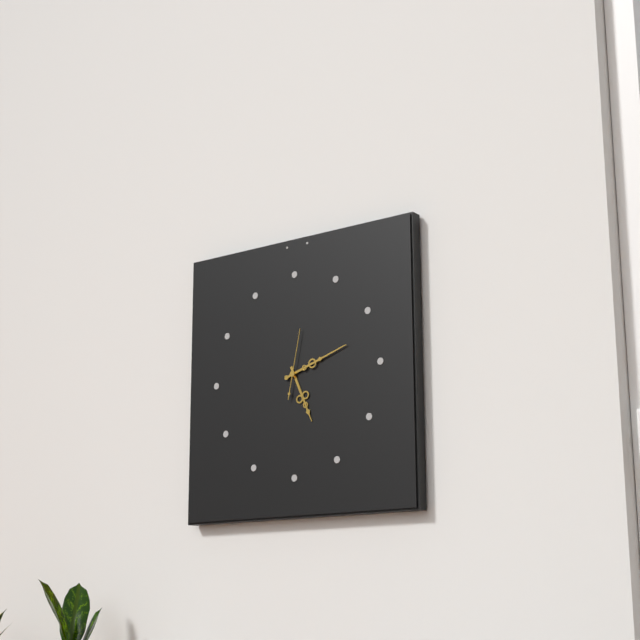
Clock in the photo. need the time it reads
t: 5:12:02
